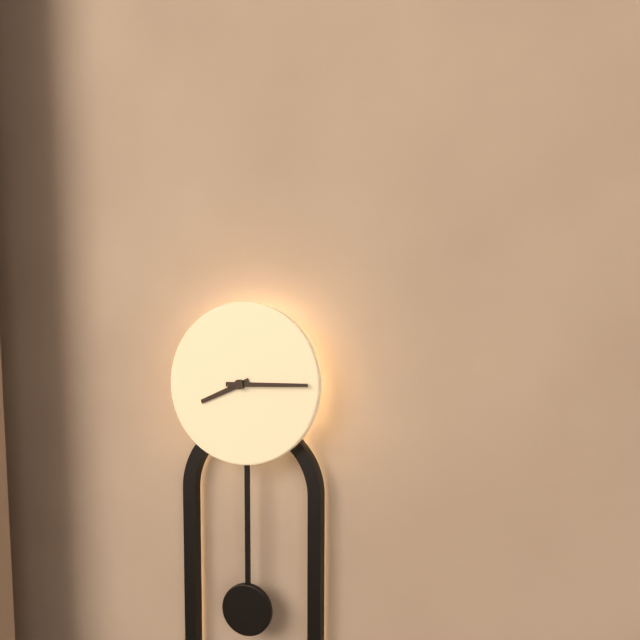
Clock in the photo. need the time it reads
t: 8:15
